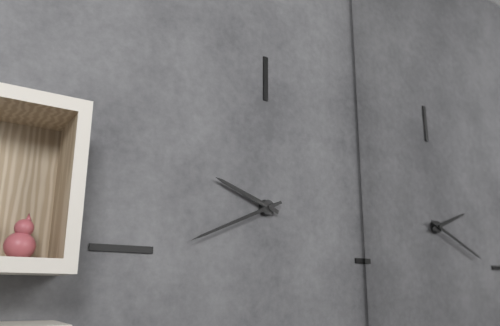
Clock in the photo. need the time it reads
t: 9:41
